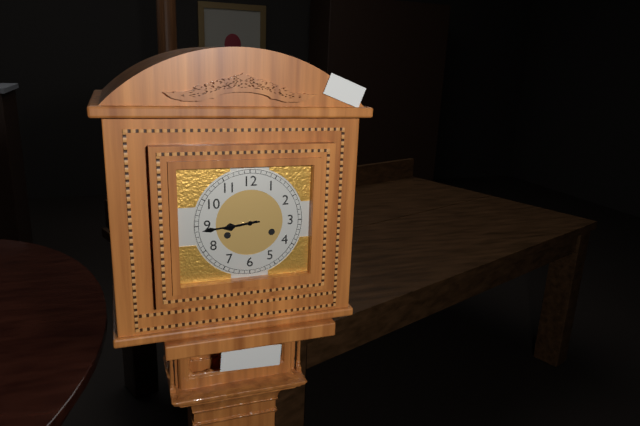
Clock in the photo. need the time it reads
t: 8:44
